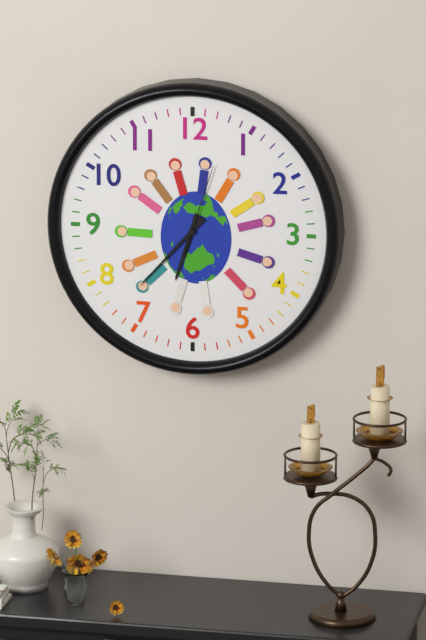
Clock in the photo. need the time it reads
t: 6:37:03
